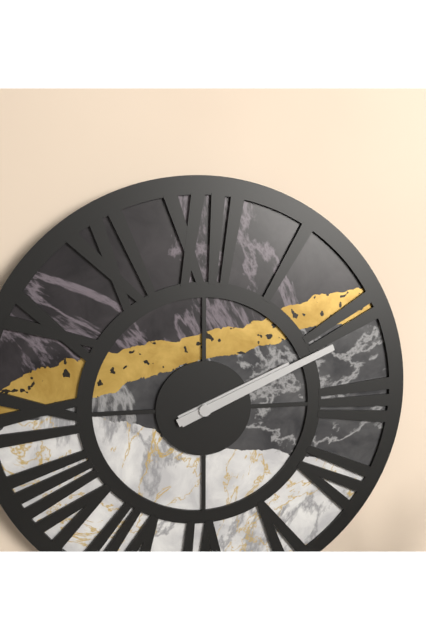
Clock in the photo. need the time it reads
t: 2:11
